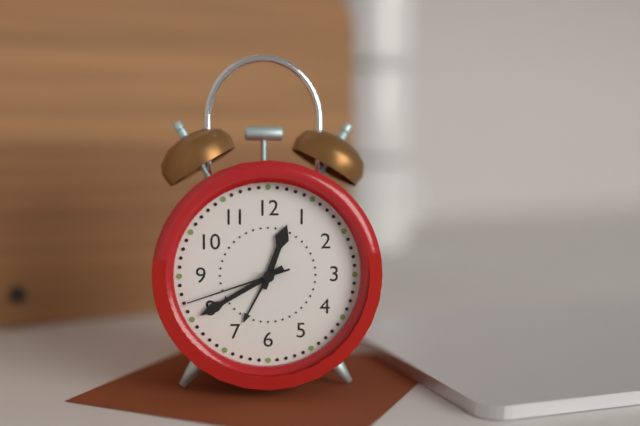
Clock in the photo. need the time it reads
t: 12:40:42
